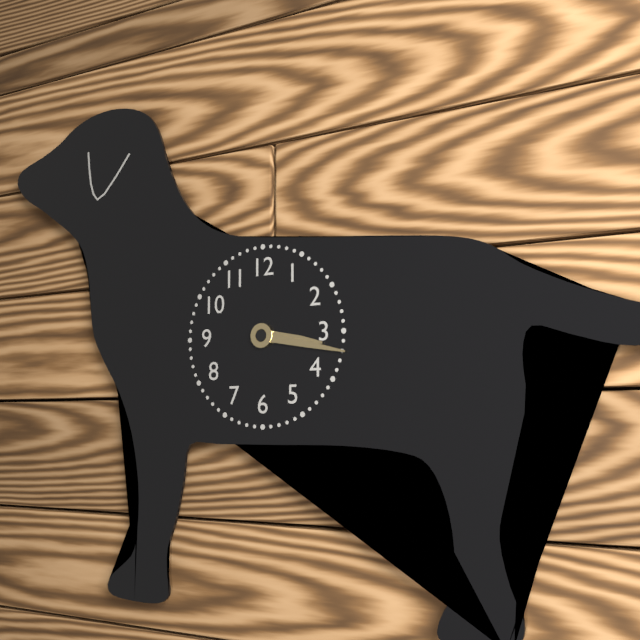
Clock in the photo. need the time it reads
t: 3:17
